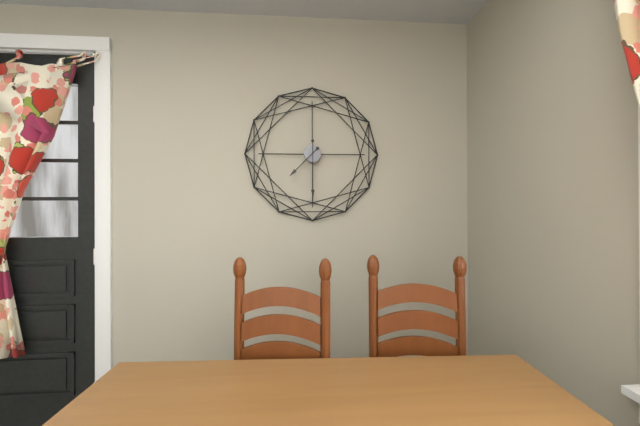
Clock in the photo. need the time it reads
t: 7:30
